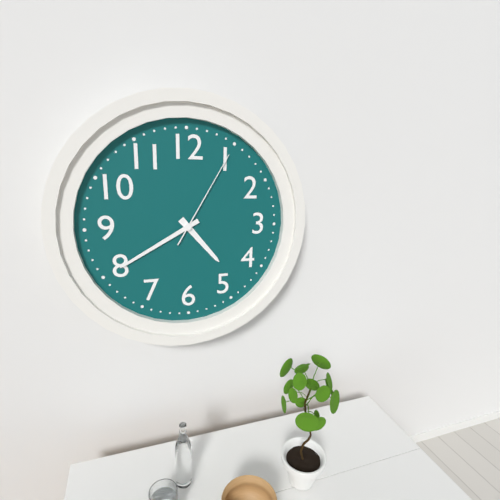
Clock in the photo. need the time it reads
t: 4:40:05
